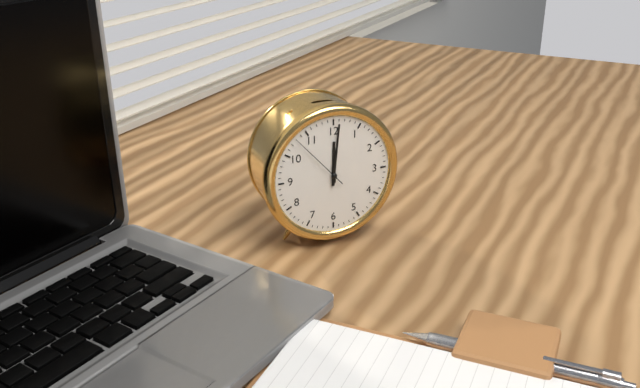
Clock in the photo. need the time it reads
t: 12:01:53
